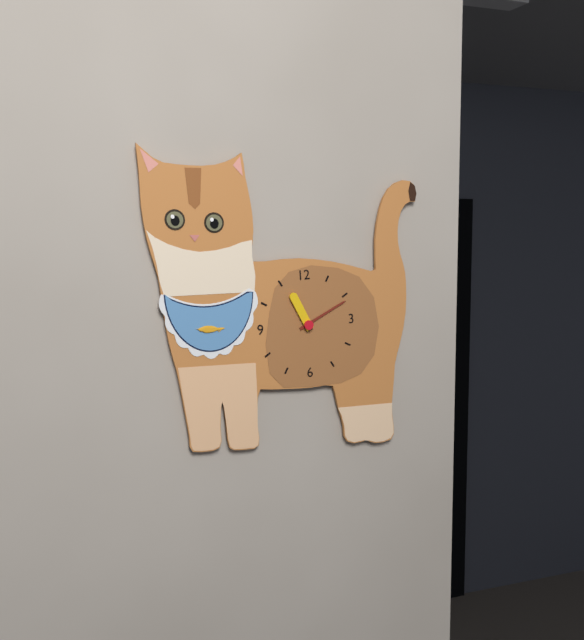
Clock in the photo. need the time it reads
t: 11:11
